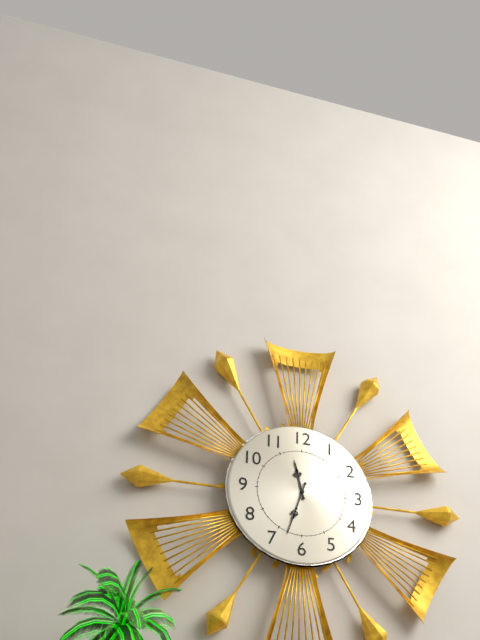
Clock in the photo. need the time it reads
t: 11:33
